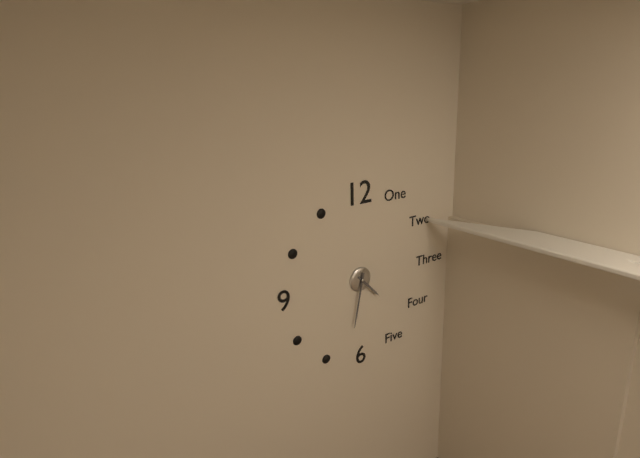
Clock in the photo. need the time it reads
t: 4:32
